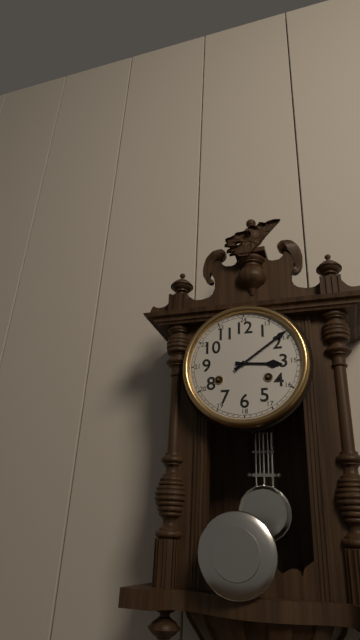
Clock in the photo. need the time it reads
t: 3:09
